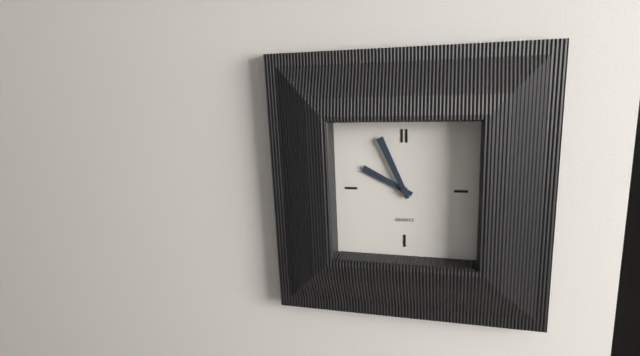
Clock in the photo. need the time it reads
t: 9:56
